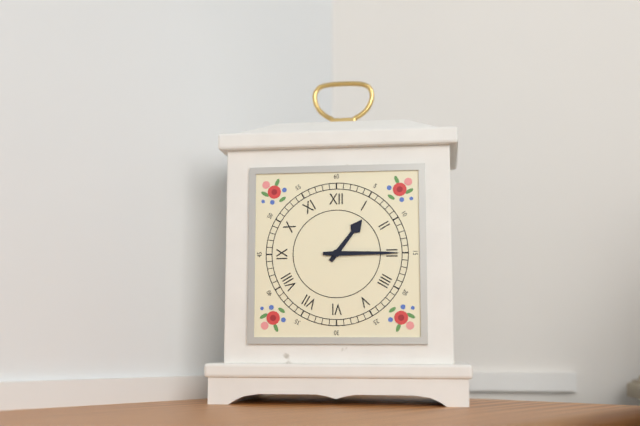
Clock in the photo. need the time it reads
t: 1:15
